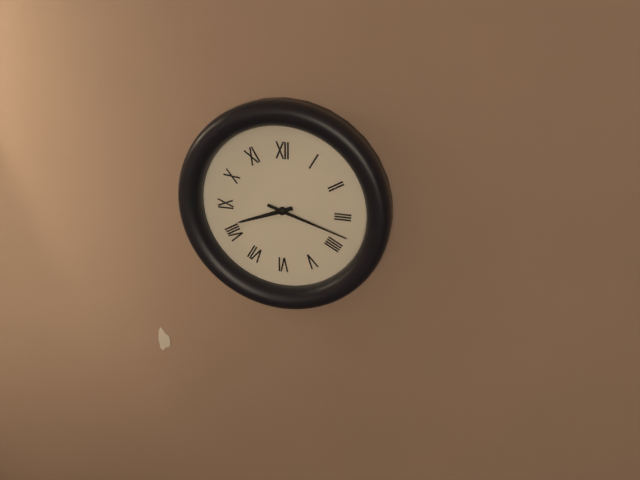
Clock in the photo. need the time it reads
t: 8:18
